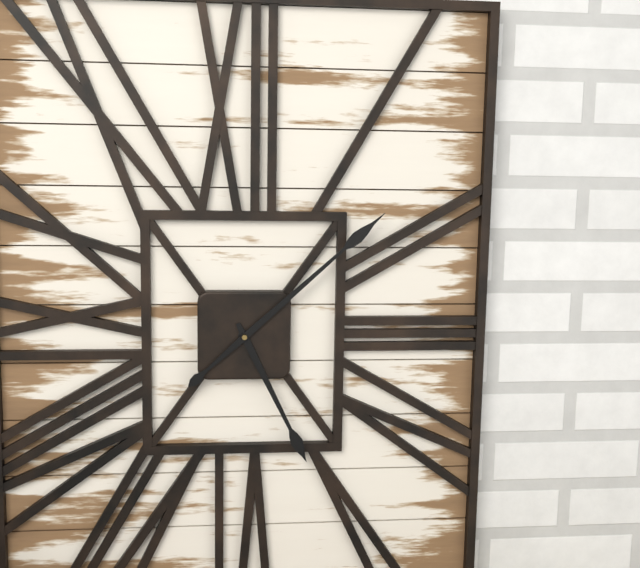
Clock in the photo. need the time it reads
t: 5:08
